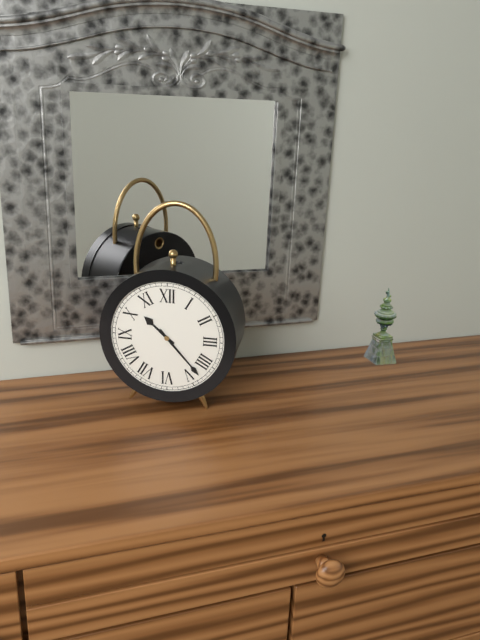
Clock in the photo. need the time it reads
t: 10:23
